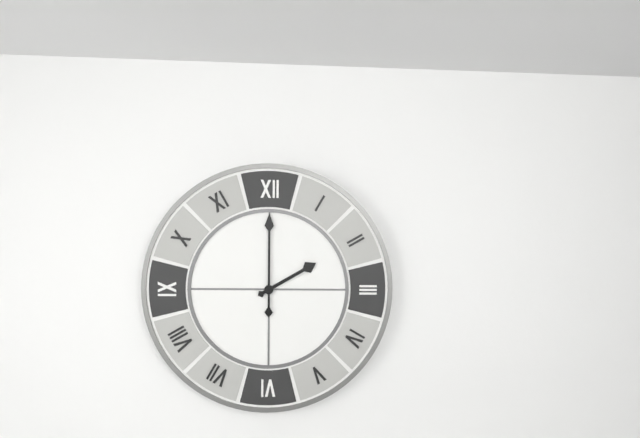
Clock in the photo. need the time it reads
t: 2:00
